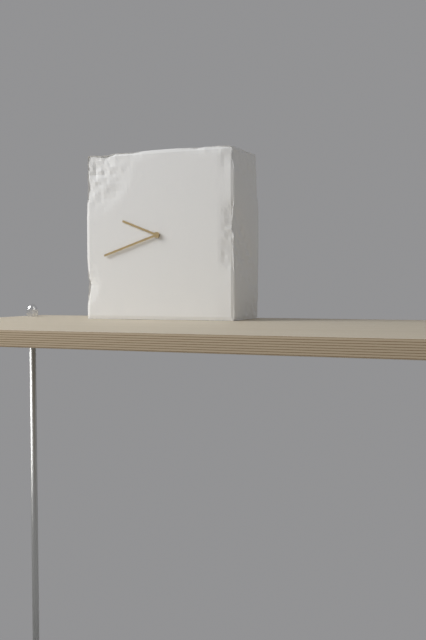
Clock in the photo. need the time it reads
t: 9:42
